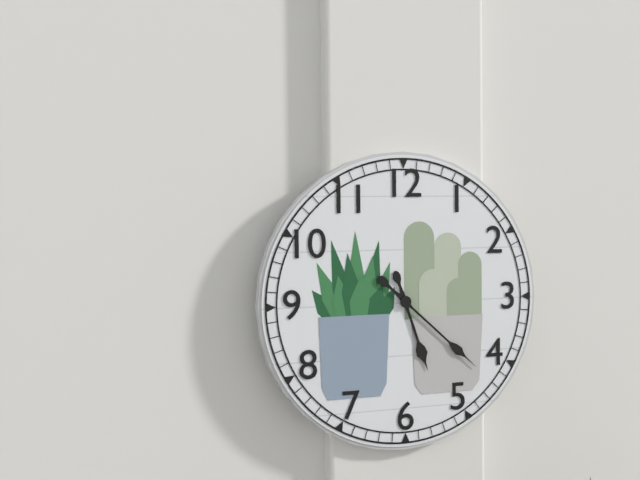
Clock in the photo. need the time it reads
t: 5:22
